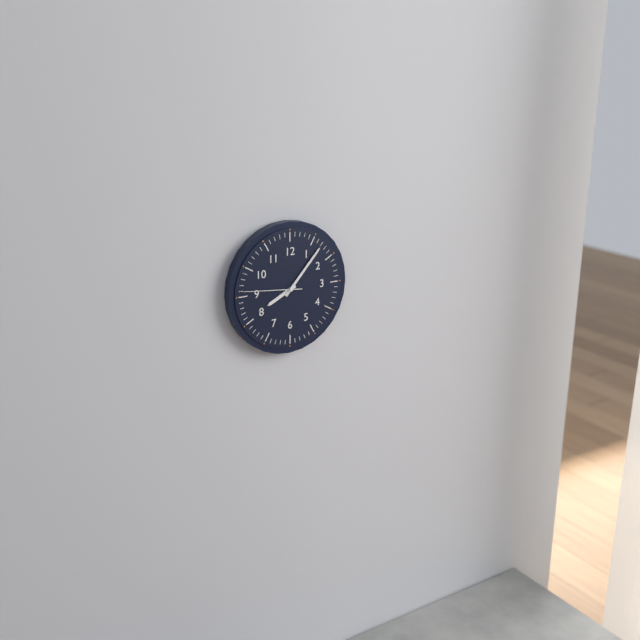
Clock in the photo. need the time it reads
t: 8:07:46
